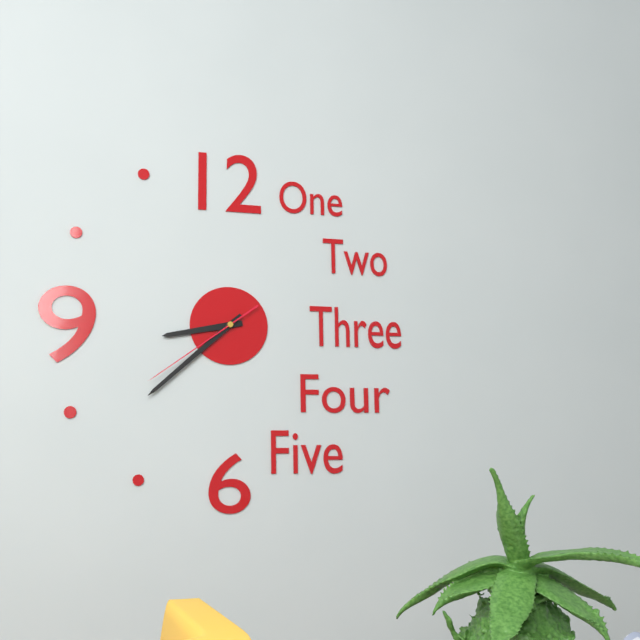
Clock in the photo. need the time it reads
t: 8:38:39
